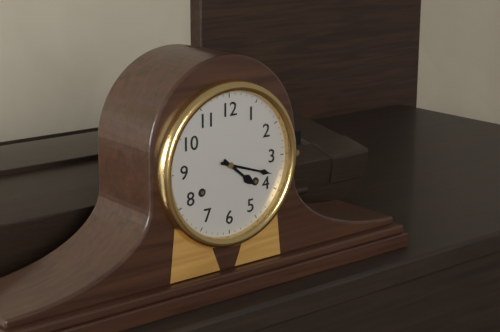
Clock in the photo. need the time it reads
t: 4:18
